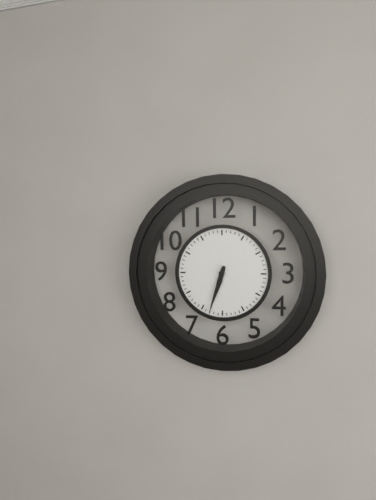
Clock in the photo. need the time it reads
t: 6:33
